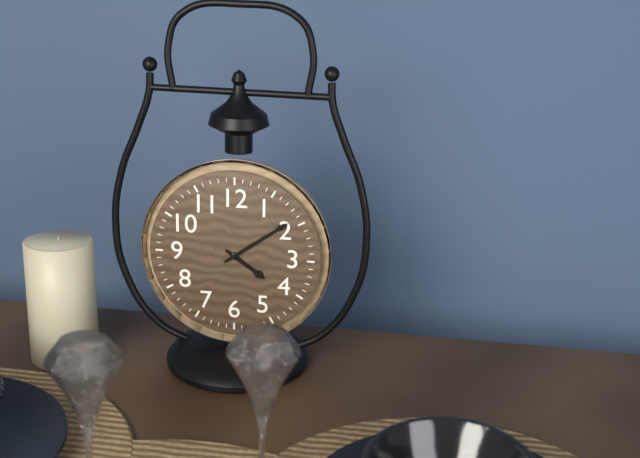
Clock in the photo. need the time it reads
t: 4:09
